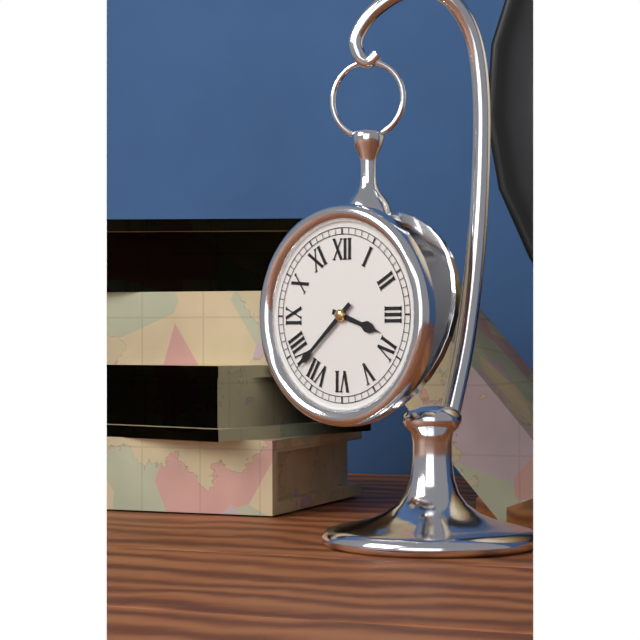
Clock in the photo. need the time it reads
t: 3:38
